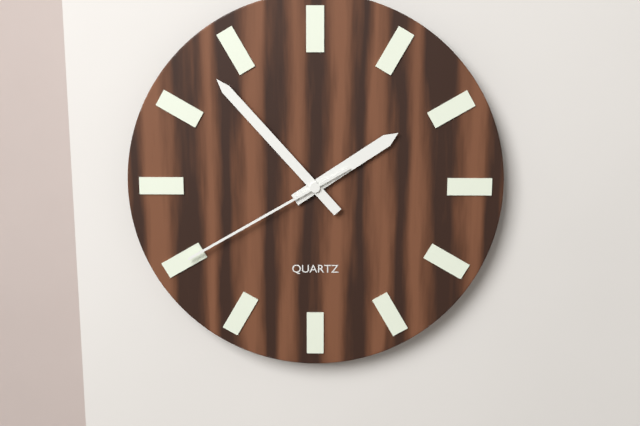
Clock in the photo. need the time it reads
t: 1:53:40
